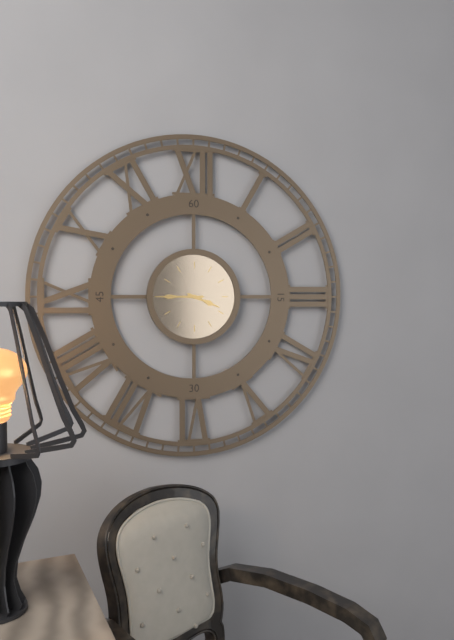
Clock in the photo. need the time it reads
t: 3:45
